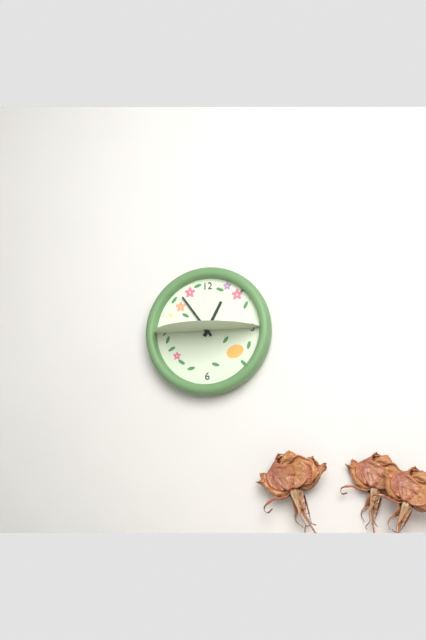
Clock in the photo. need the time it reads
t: 12:54
